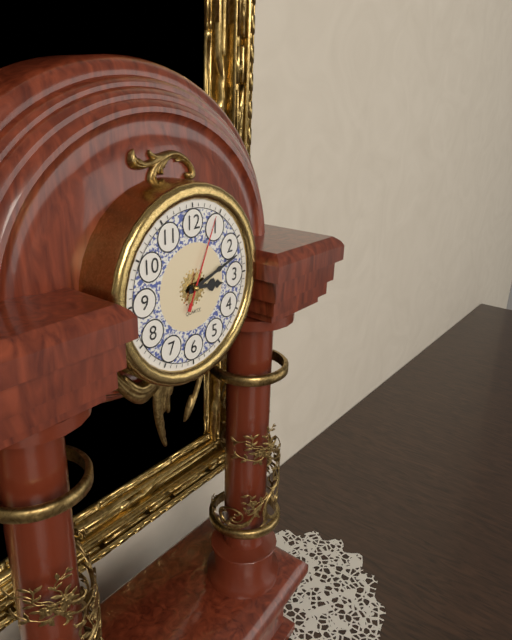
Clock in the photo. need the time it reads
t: 3:12:04
